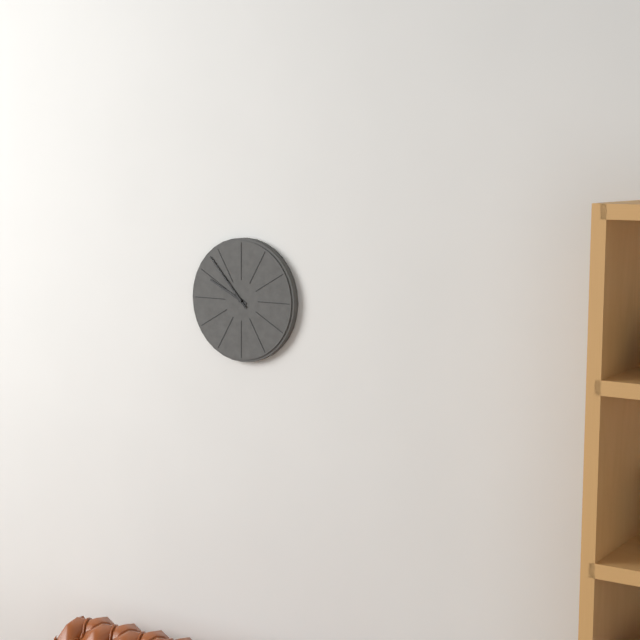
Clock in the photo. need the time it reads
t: 9:53
